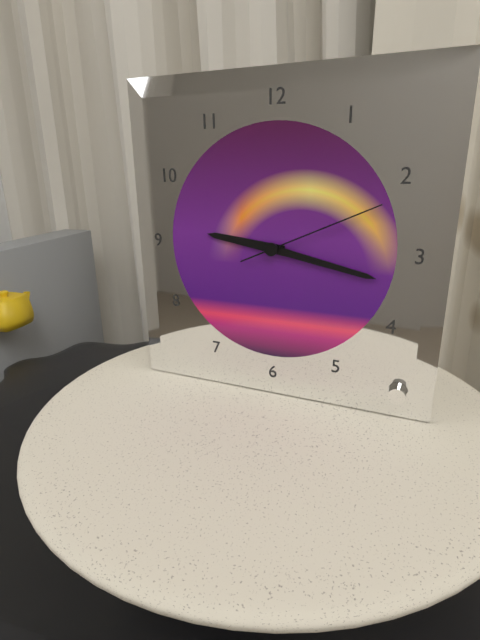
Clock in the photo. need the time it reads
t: 9:17:11
